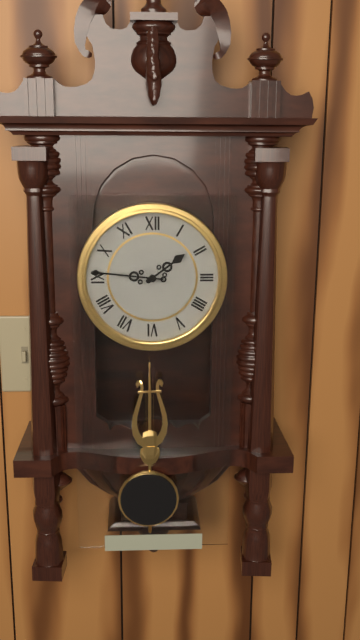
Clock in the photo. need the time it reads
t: 1:46
